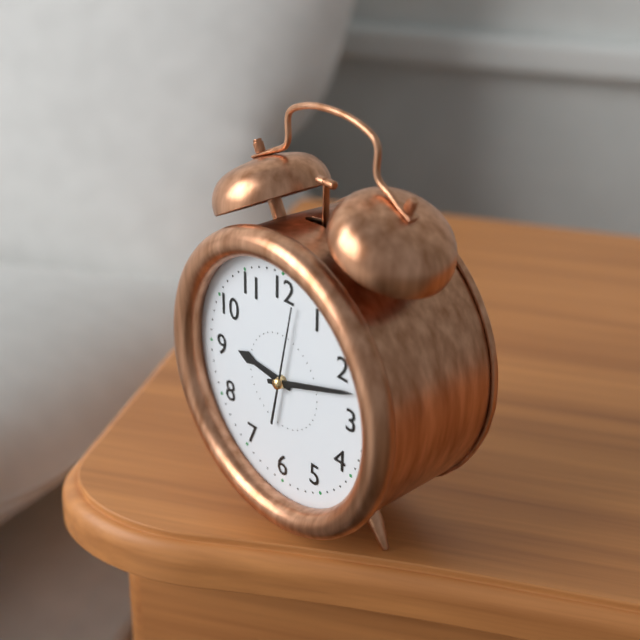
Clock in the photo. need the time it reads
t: 9:12:02
